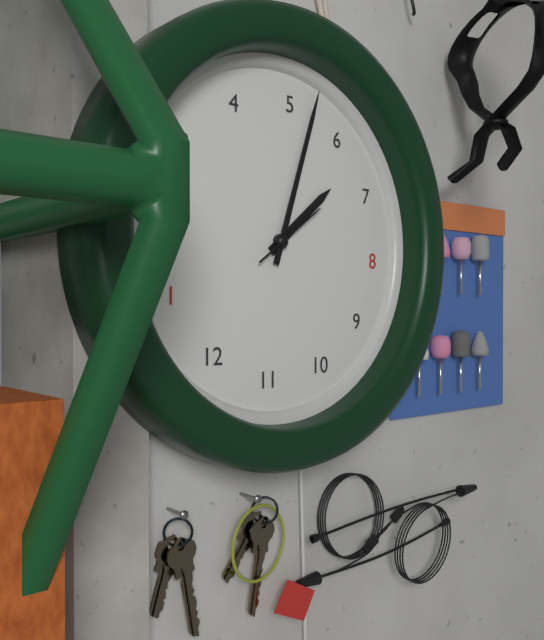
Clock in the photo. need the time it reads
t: 6:27:33
